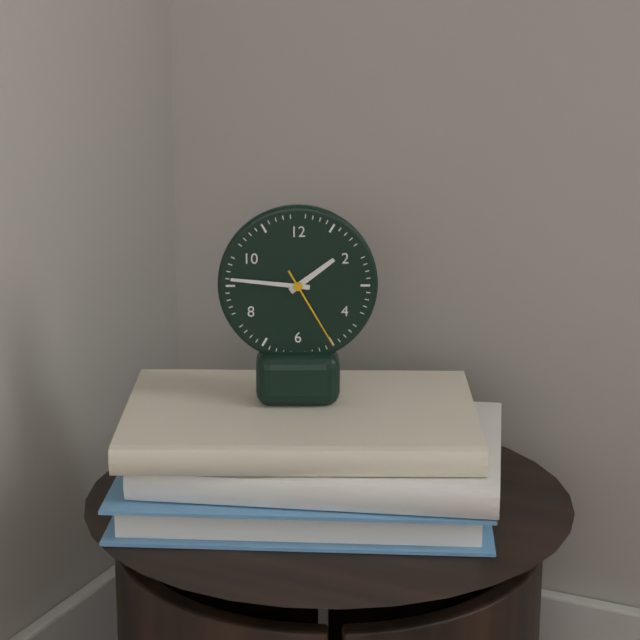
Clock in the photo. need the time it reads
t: 1:46:25
